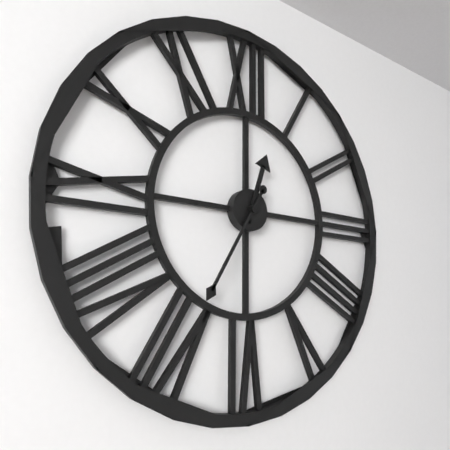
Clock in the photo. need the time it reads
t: 12:35
